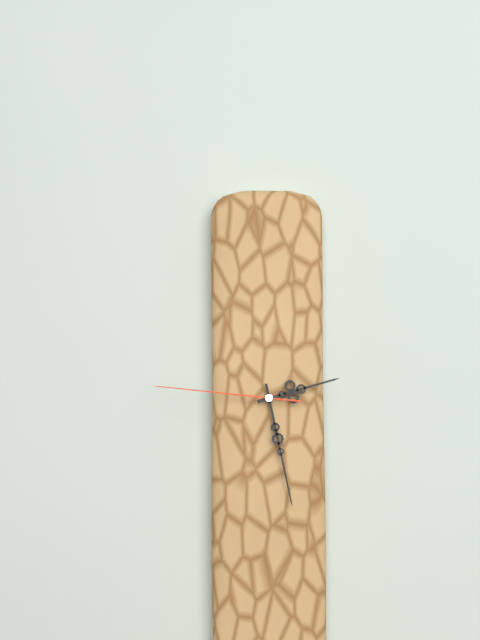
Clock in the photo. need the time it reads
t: 2:28:46
